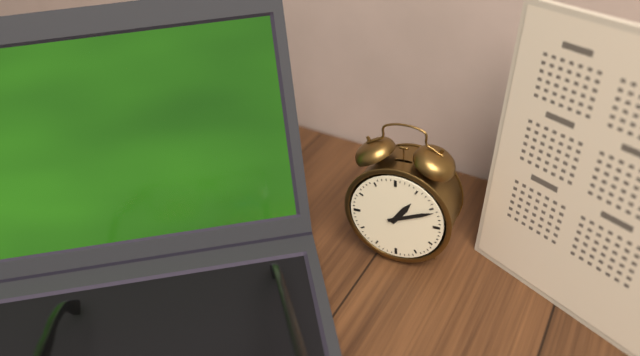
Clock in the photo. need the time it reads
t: 1:11
